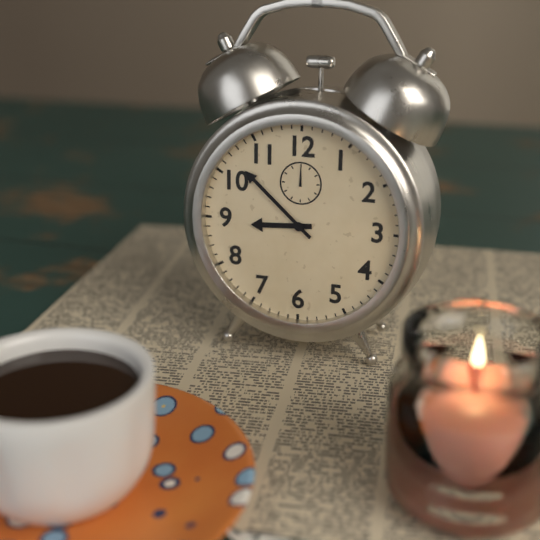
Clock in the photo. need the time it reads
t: 8:52
